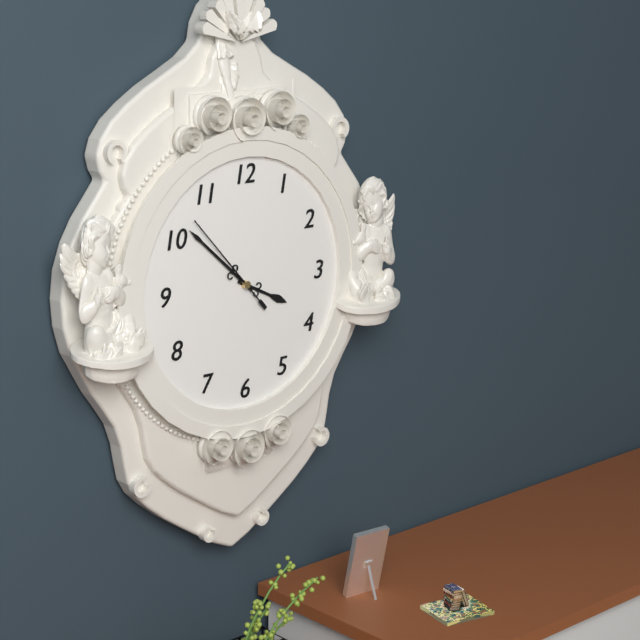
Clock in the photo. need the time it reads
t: 3:52:53
